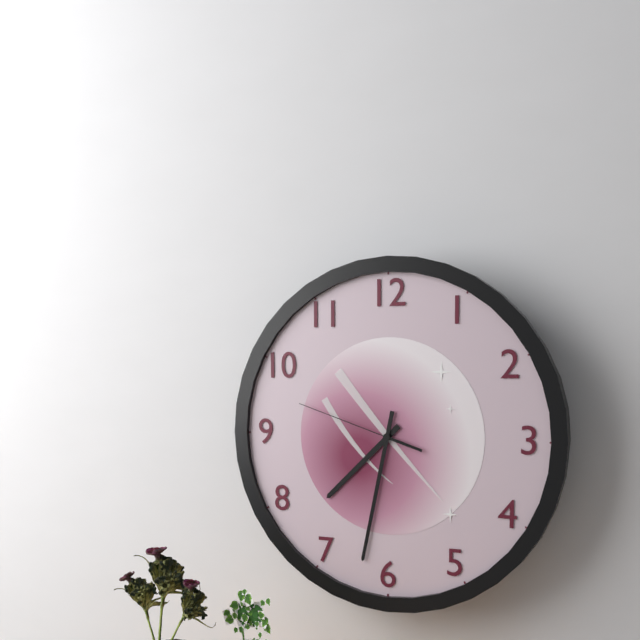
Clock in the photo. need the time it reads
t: 7:32:48
